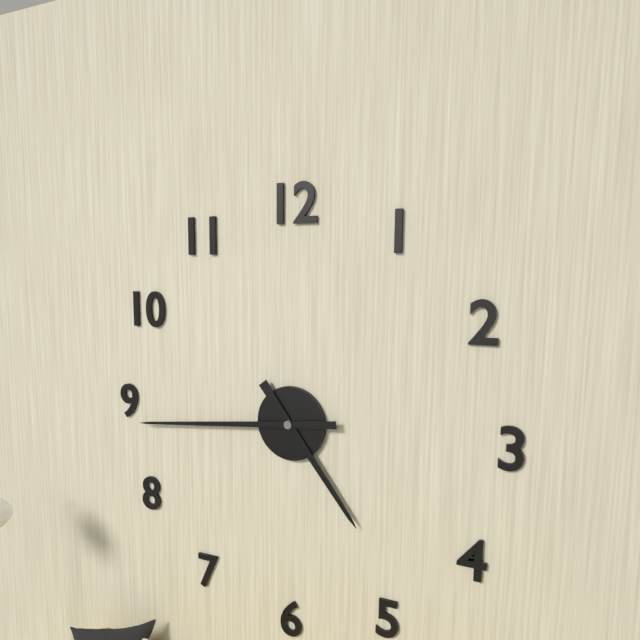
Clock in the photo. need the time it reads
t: 4:44
